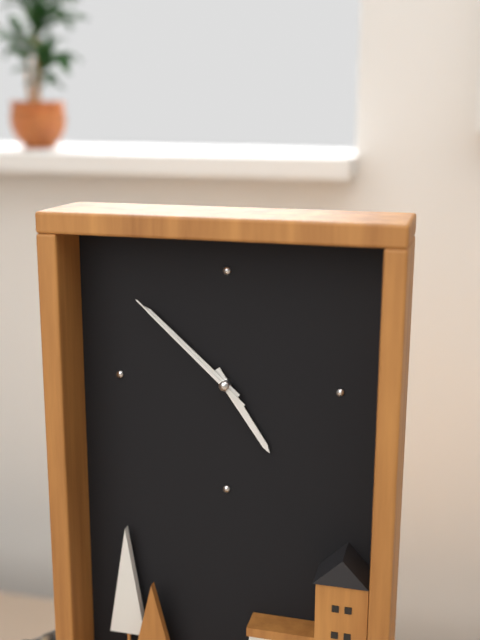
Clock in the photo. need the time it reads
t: 4:52:52
